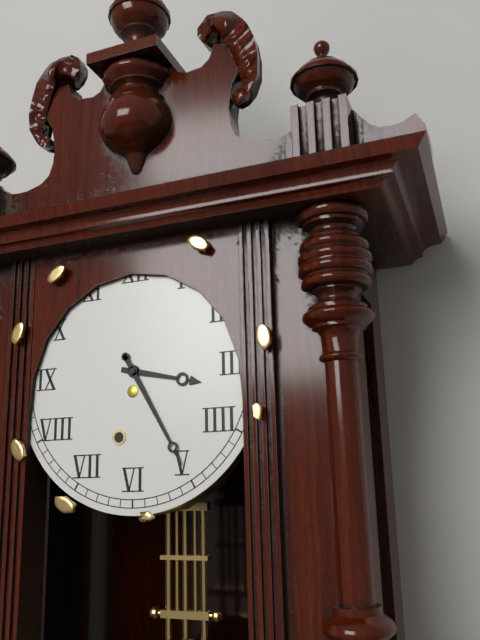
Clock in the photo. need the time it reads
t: 3:25
